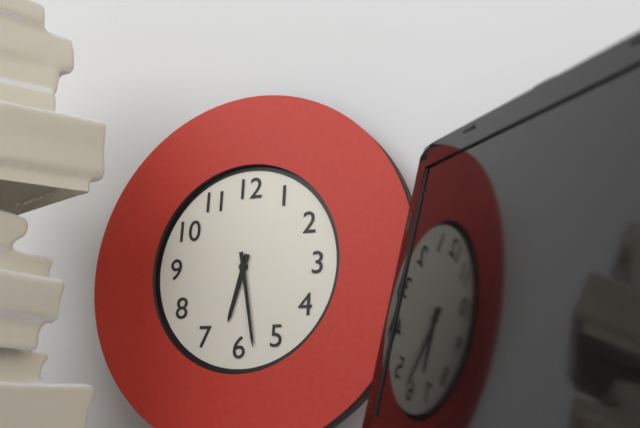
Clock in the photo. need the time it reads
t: 6:28
